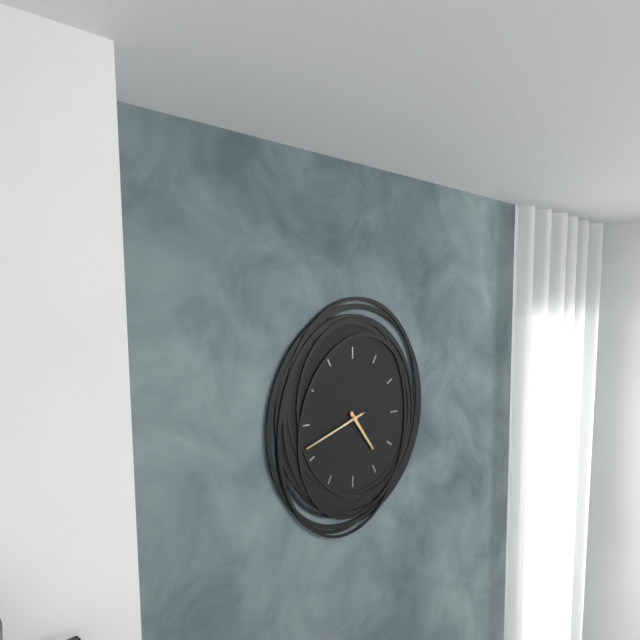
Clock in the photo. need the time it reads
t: 4:42:42
